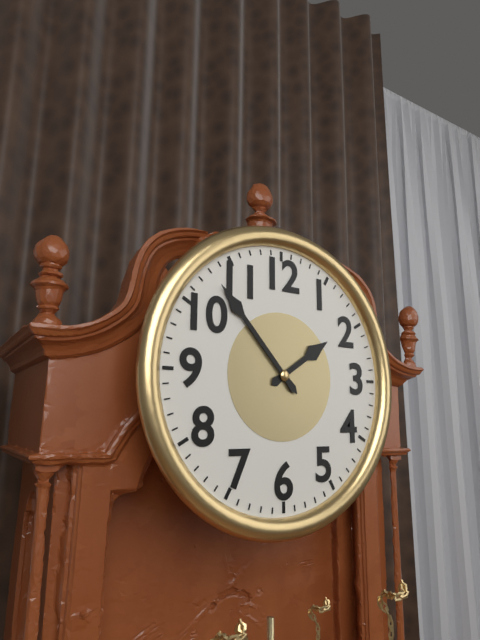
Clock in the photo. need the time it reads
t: 1:53
